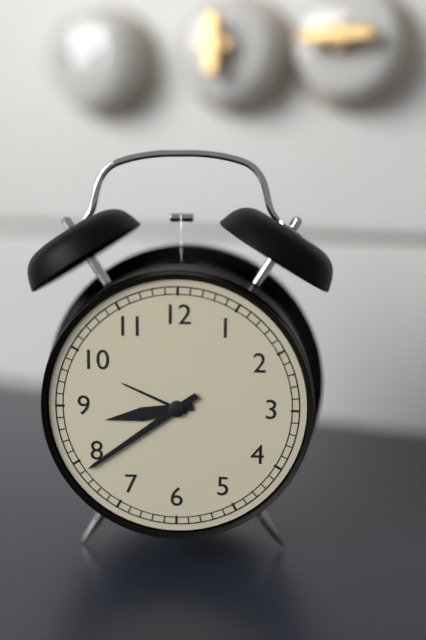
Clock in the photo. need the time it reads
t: 8:39
